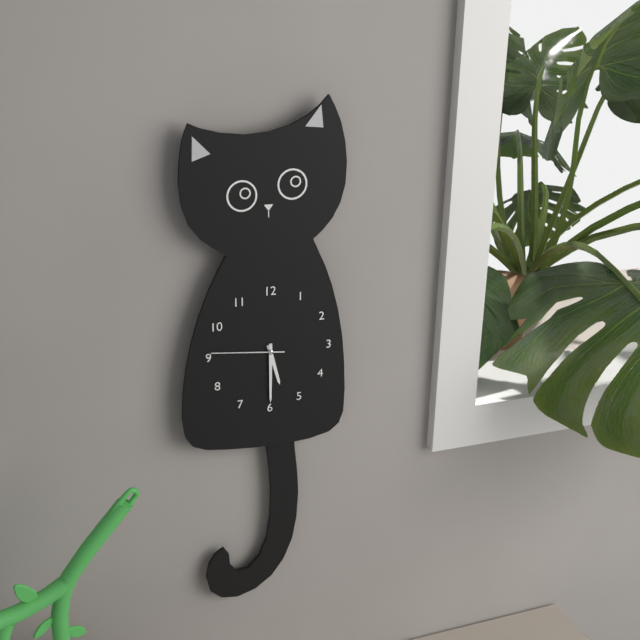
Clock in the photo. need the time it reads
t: 5:30:46
